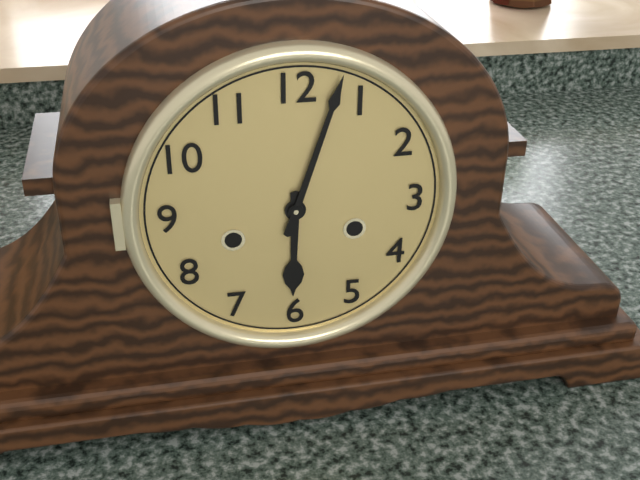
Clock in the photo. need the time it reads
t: 6:03
